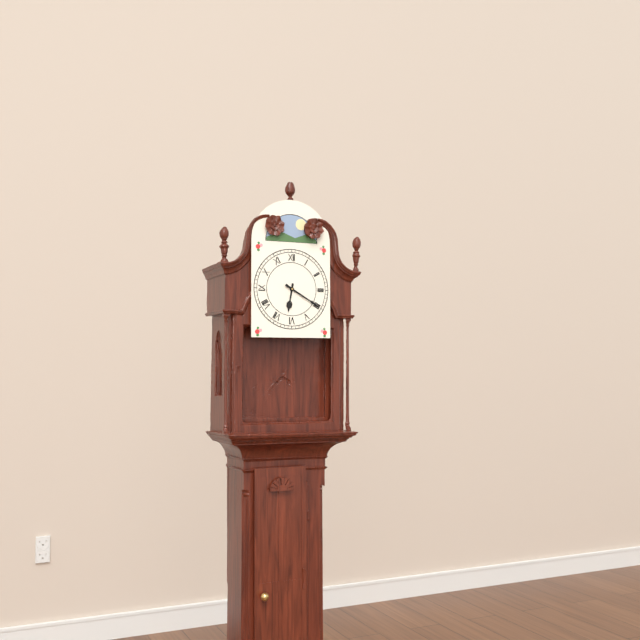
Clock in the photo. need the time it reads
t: 6:20
